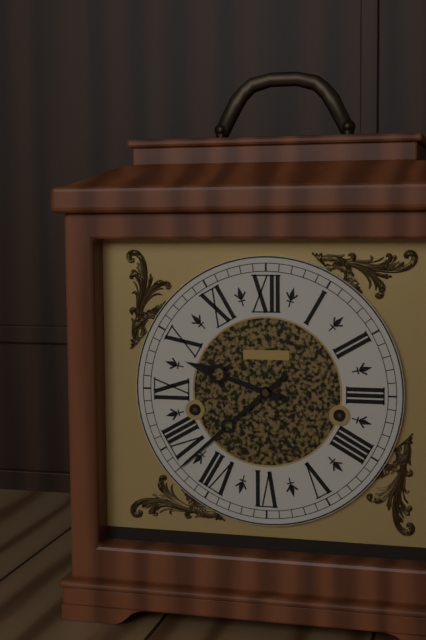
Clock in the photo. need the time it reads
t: 9:38
